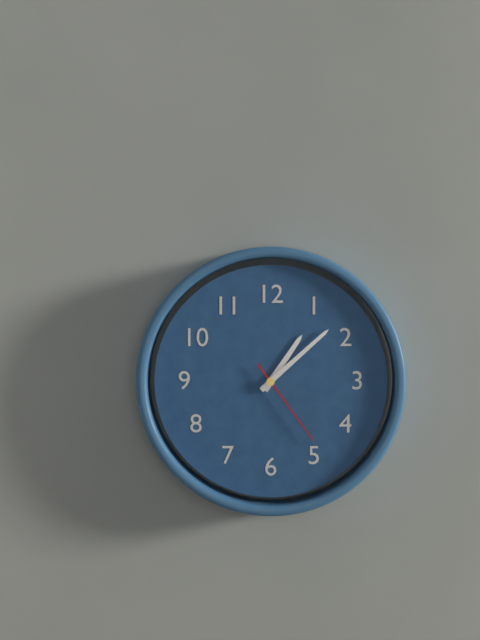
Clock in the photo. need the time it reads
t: 1:08:24
